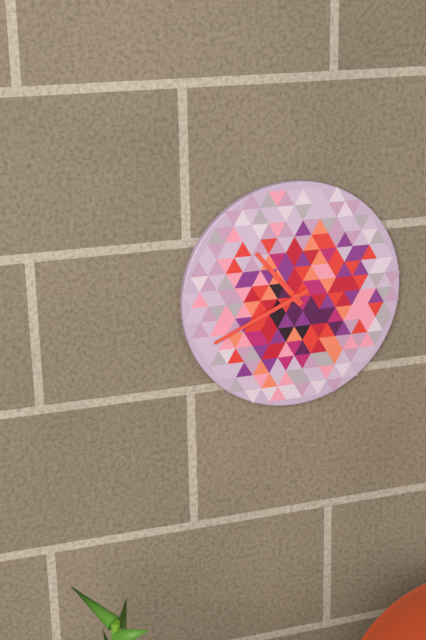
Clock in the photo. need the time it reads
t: 10:41
